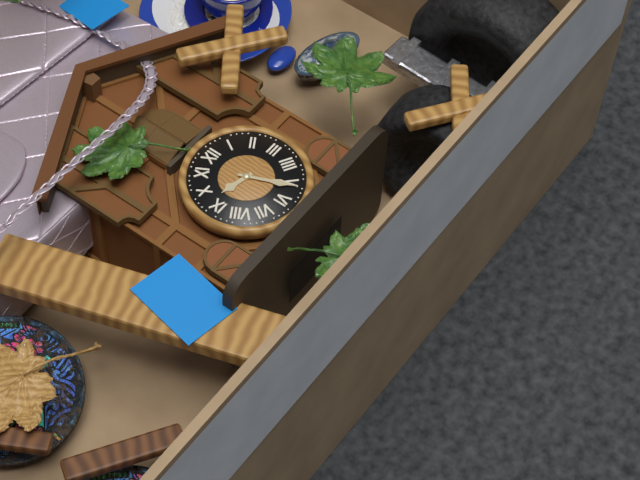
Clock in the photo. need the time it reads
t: 9:26
